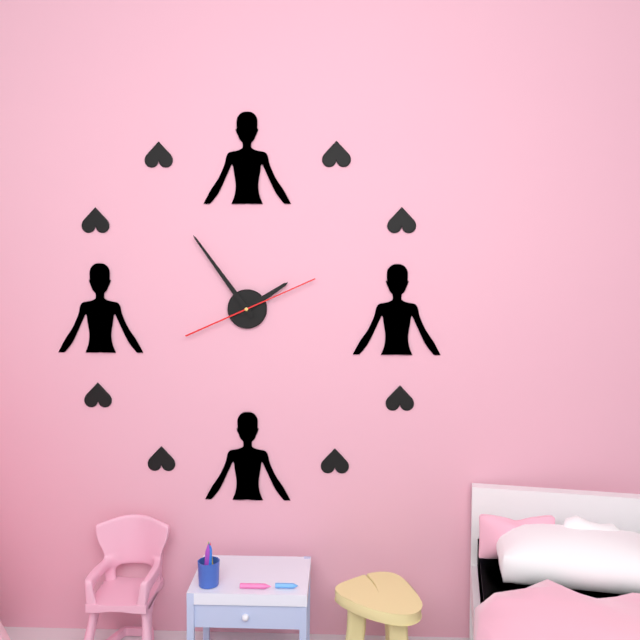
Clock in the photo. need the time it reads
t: 1:54:11
